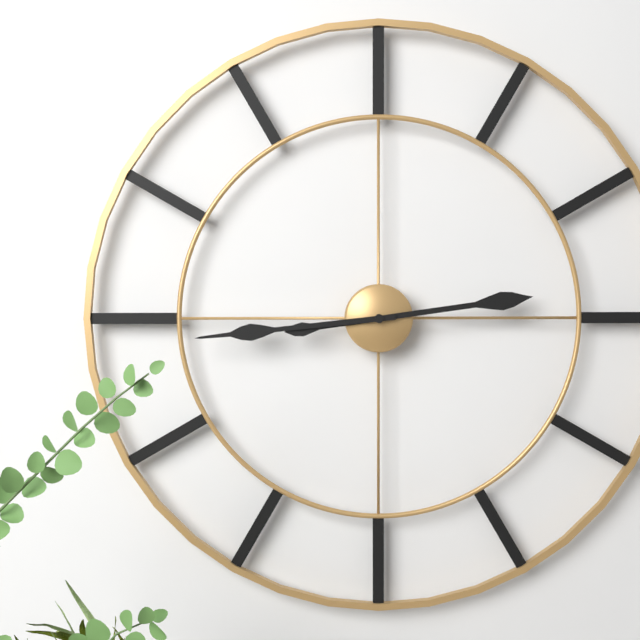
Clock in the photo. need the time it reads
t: 2:44
